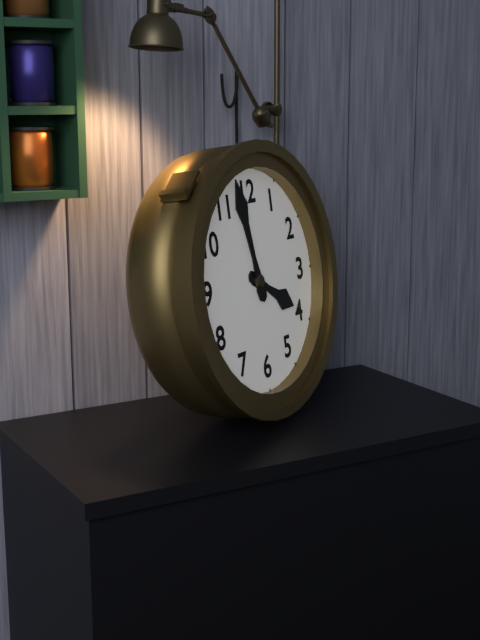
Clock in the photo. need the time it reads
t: 3:58
